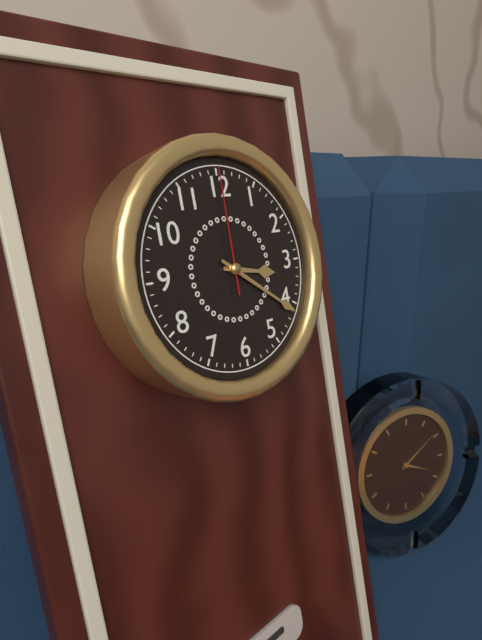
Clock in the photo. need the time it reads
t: 3:21:00
